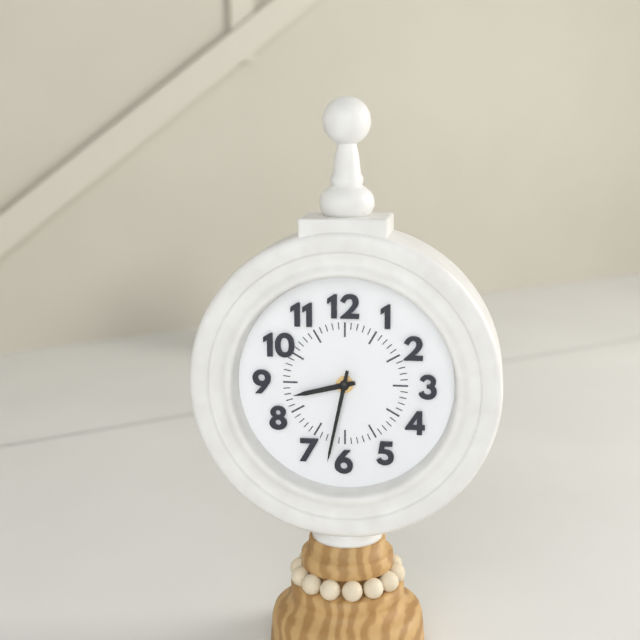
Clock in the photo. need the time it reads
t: 8:32
